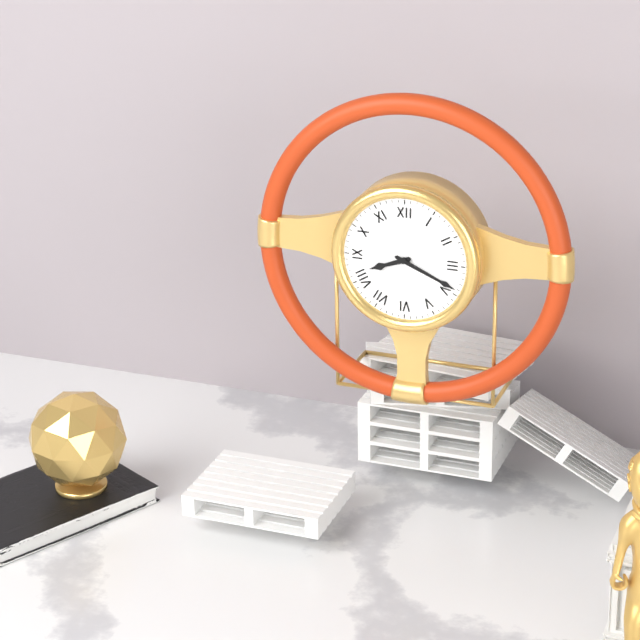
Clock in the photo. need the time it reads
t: 8:19
